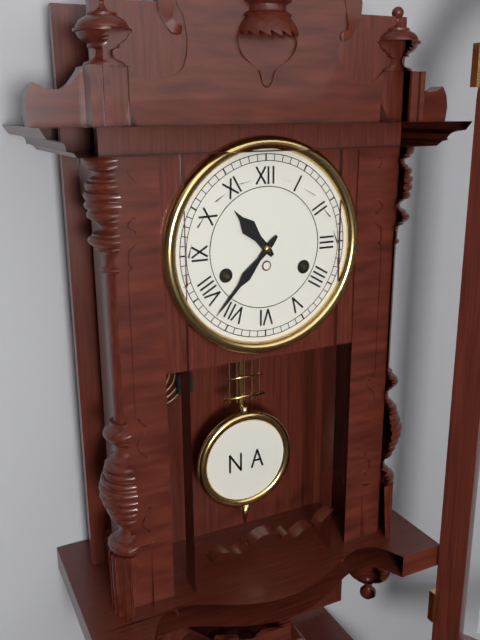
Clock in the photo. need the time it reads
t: 10:37
